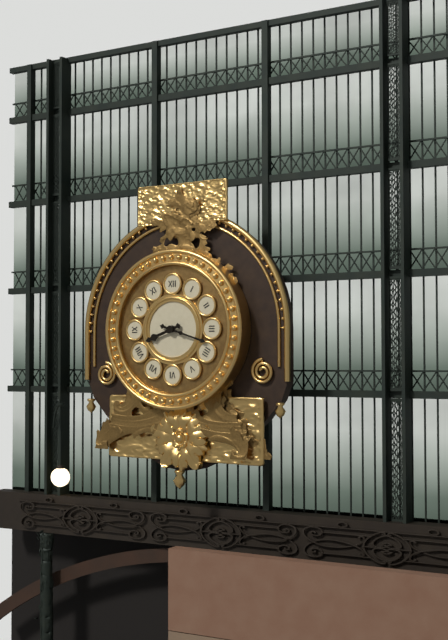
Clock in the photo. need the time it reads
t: 8:18
